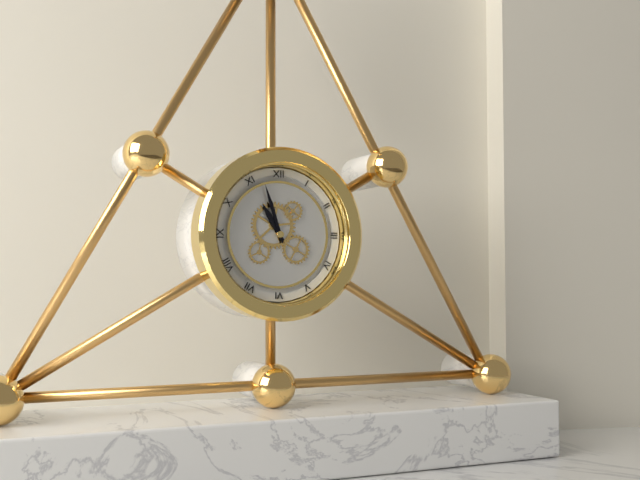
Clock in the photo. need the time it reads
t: 10:57
